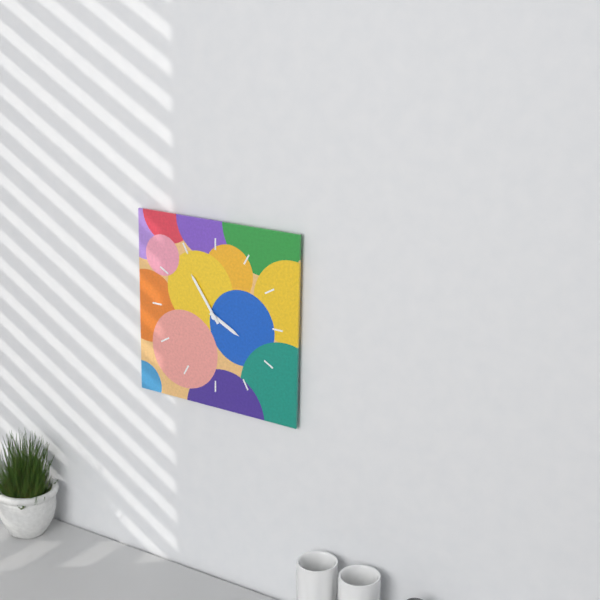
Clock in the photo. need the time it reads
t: 3:54
